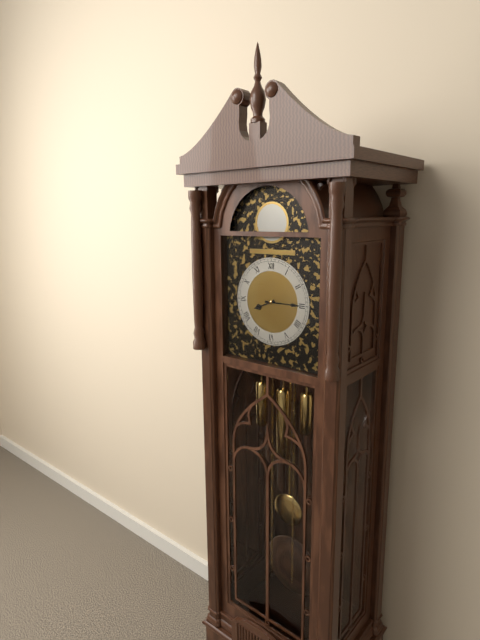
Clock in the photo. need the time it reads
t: 8:15
